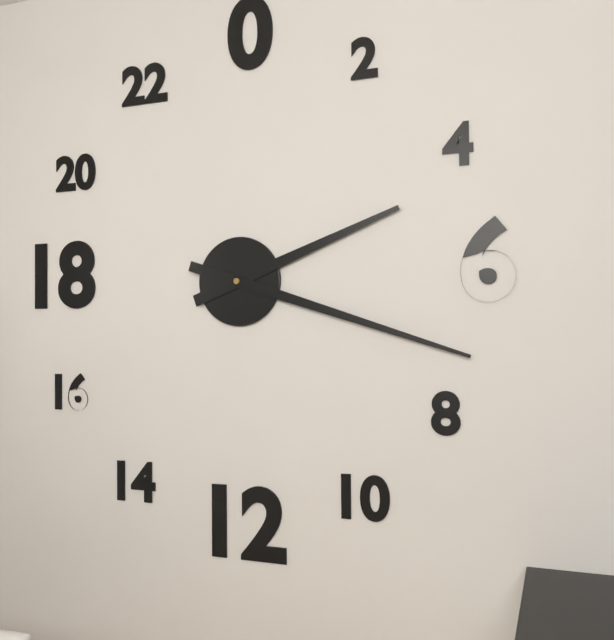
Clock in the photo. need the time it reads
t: 2:18
